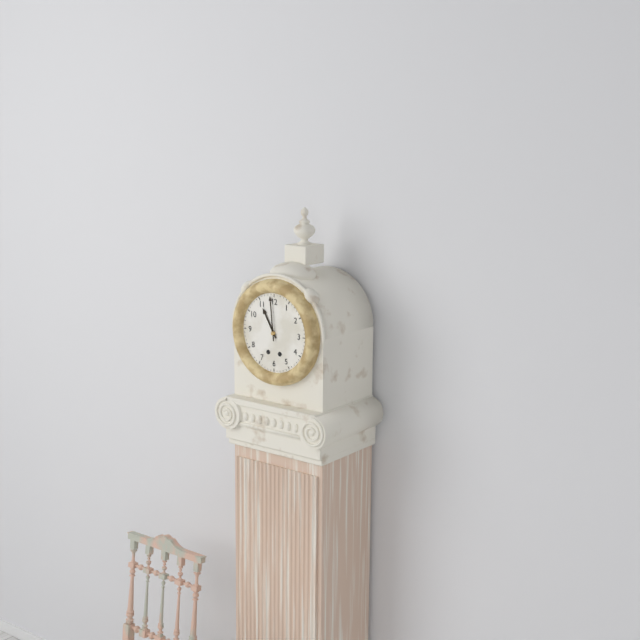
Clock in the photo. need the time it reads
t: 10:59
